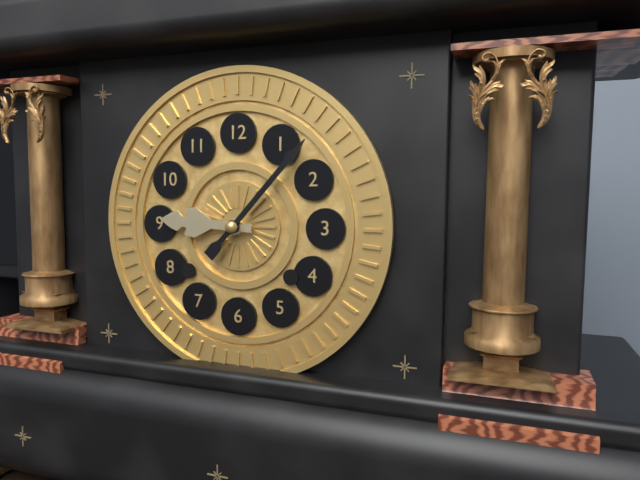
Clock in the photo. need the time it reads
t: 9:07
